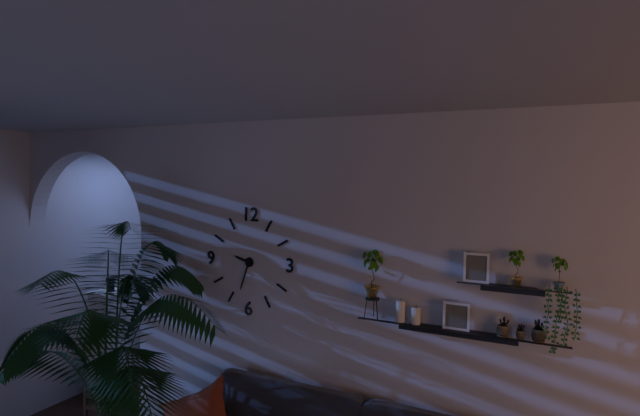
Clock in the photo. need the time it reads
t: 9:33
